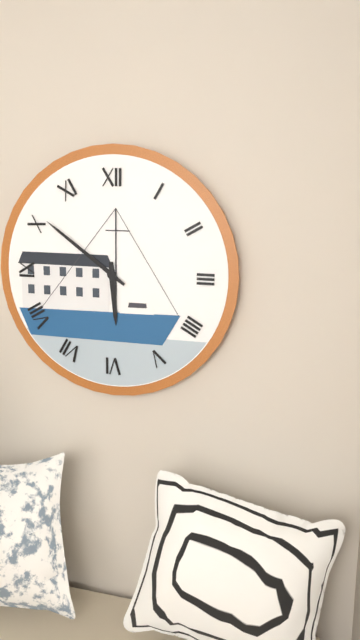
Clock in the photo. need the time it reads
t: 5:51
